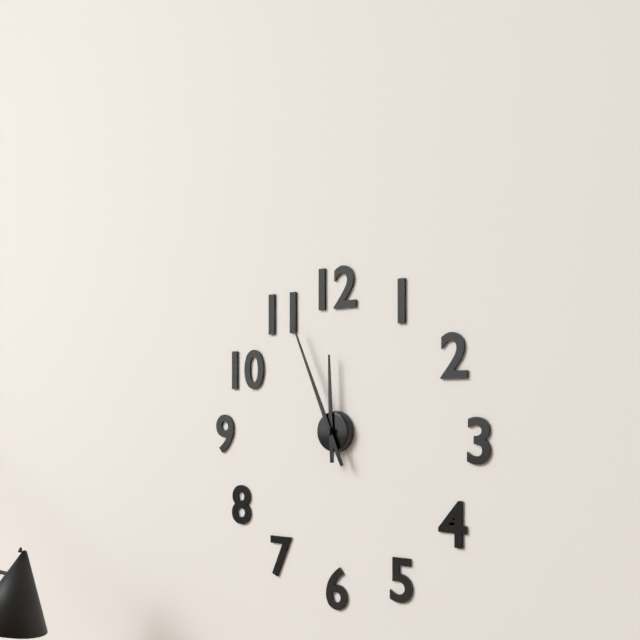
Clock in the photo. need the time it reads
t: 11:56
